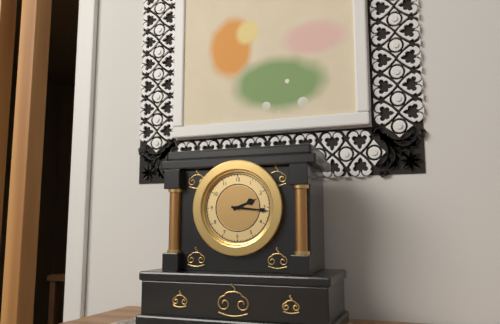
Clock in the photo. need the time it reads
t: 2:16
